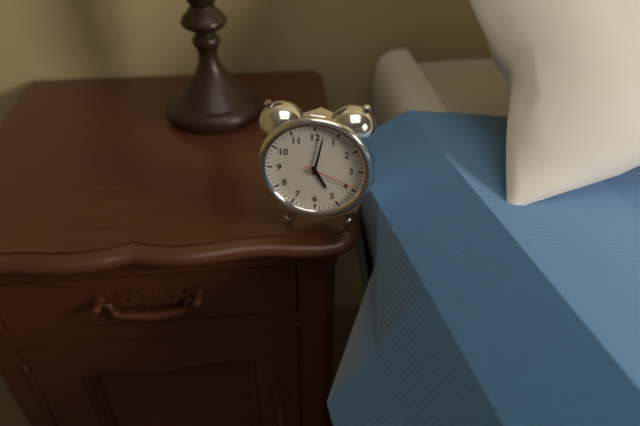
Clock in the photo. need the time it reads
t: 5:02:19
